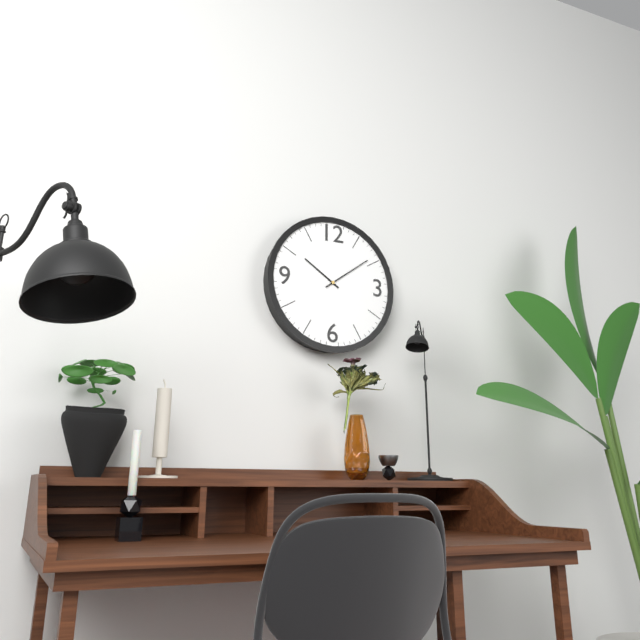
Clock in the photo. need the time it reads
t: 10:09
